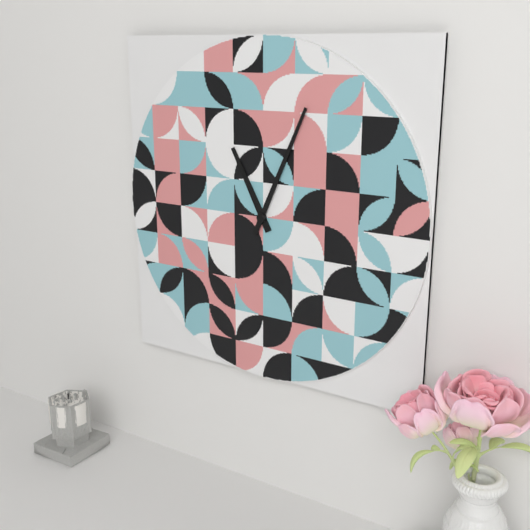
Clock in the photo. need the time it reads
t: 11:04
